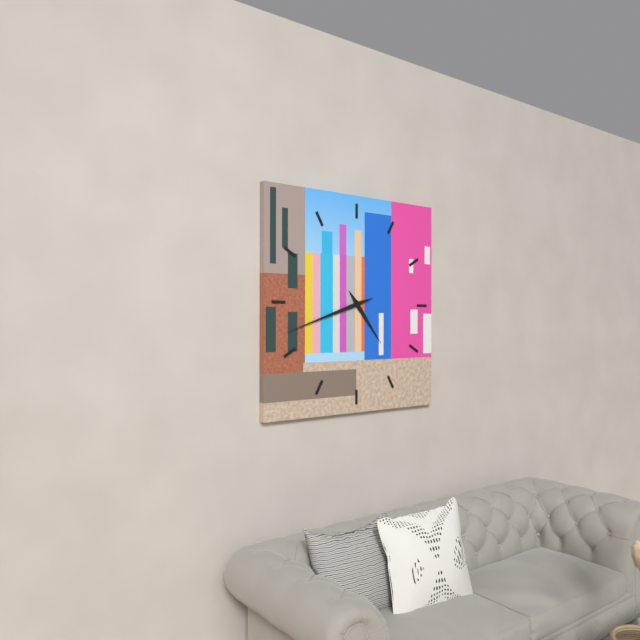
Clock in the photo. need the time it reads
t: 4:42
